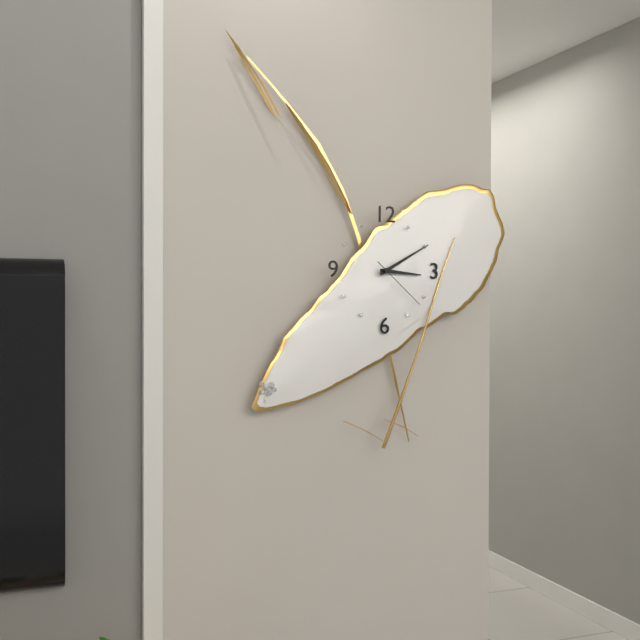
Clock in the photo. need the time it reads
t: 3:10:22
